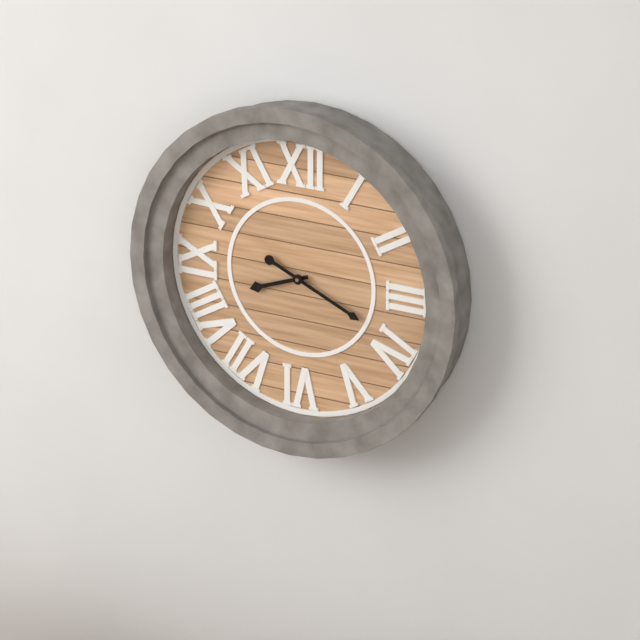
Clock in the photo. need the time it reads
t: 8:19
